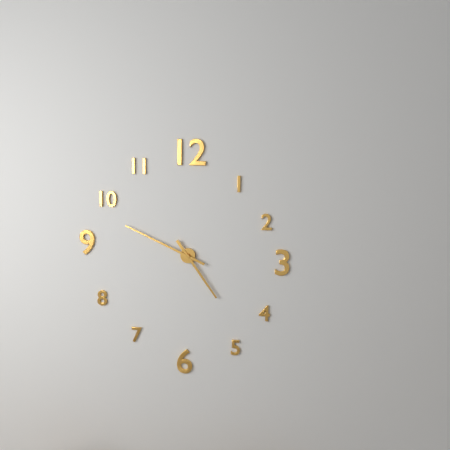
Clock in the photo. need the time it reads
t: 4:49
